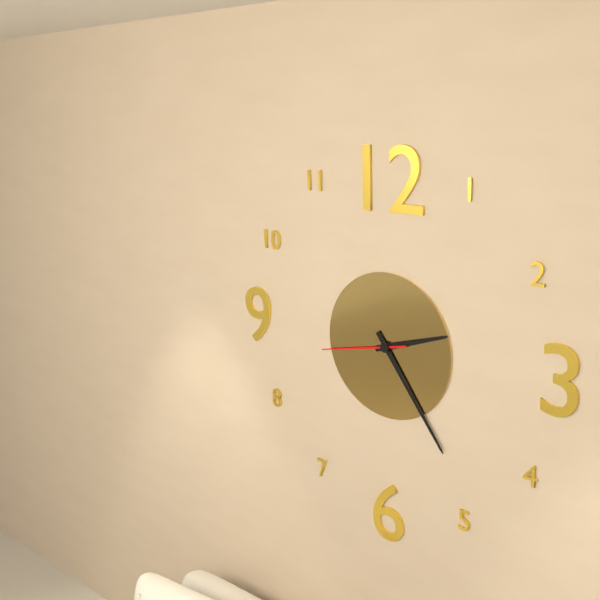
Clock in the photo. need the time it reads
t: 2:24:43
